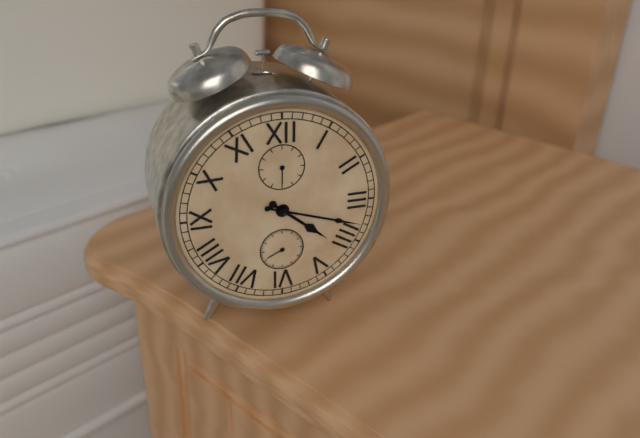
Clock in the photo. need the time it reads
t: 4:18
